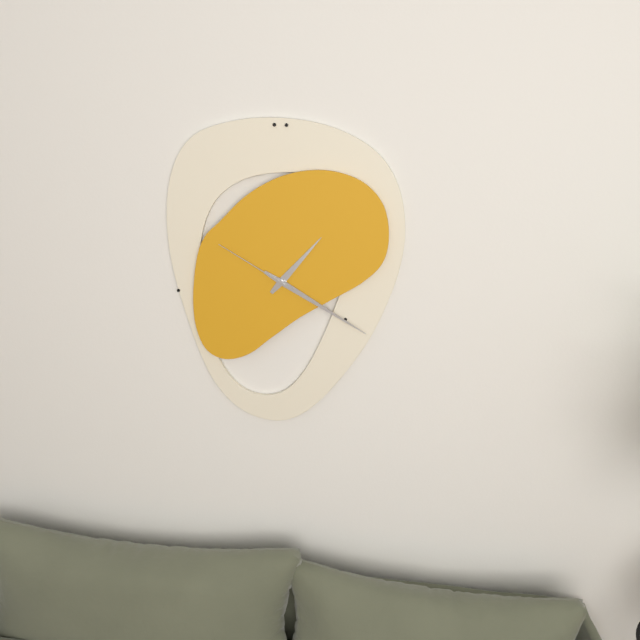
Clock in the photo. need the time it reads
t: 1:20:50
